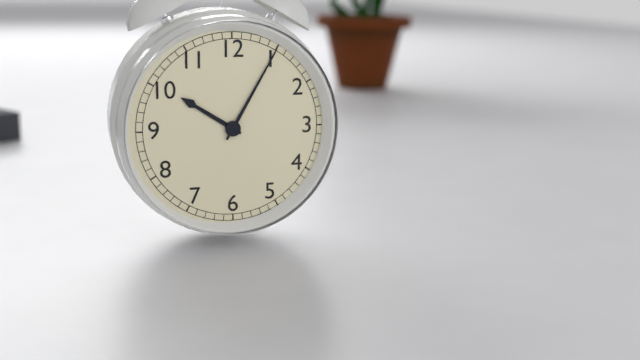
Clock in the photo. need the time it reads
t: 10:05
